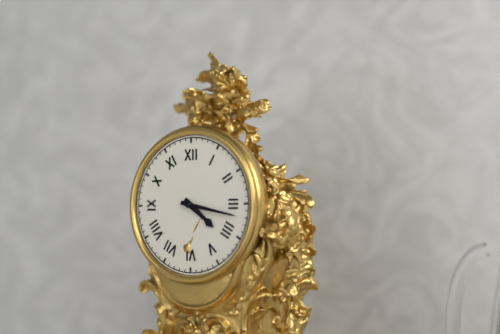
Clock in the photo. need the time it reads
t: 4:17
